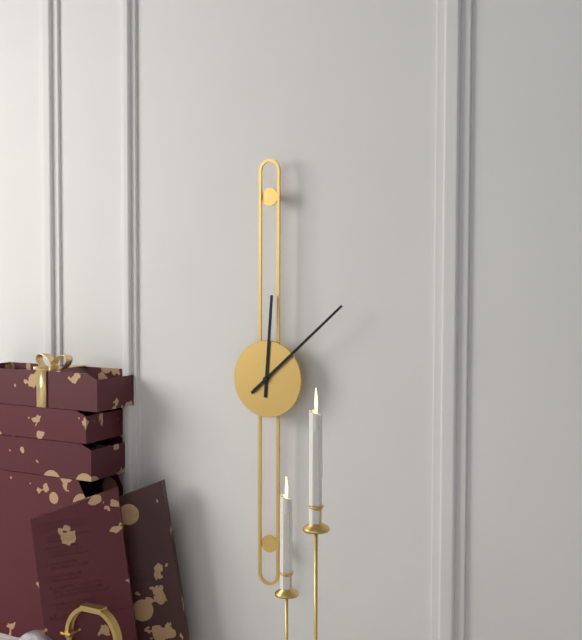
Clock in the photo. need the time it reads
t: 12:08
